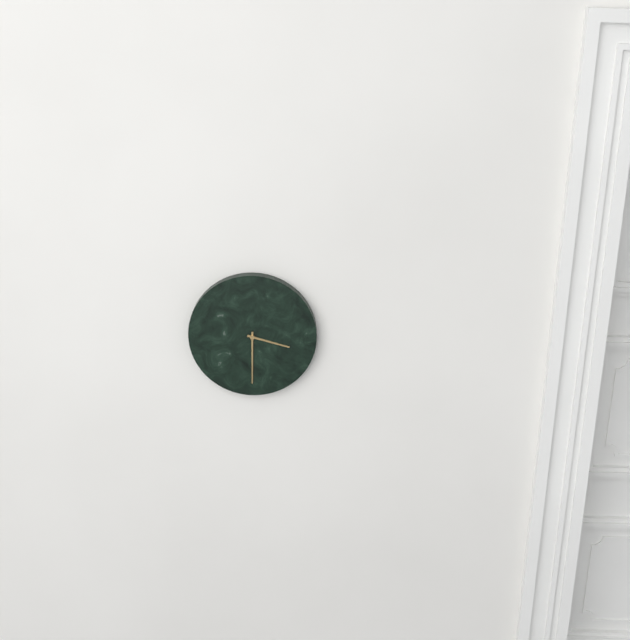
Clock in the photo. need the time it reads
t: 3:30
